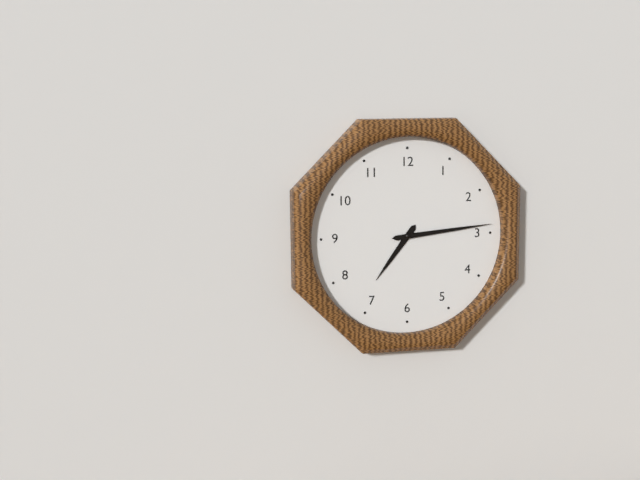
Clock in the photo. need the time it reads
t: 7:14
